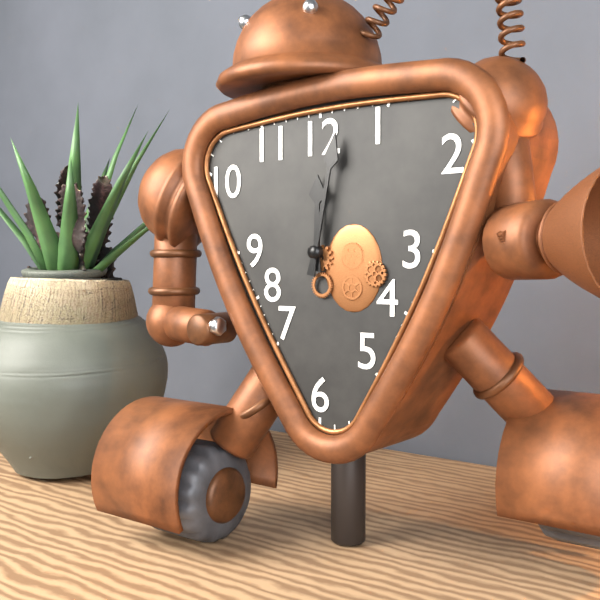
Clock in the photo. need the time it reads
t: 12:02
